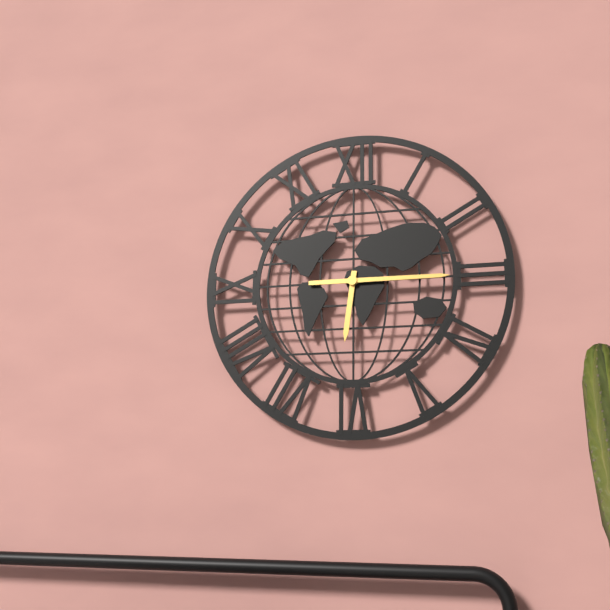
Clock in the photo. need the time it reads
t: 6:15
